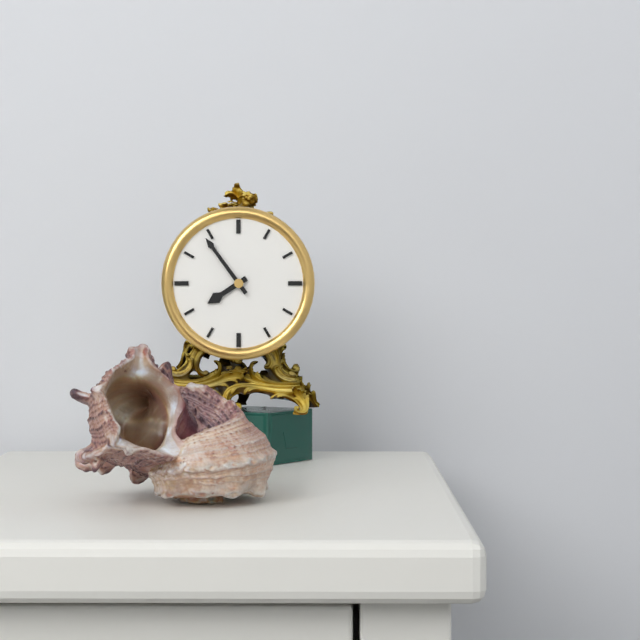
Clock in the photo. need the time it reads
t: 7:54
